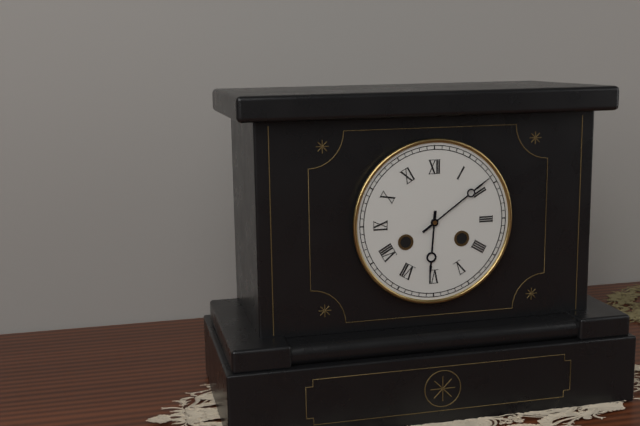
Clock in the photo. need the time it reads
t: 6:09
